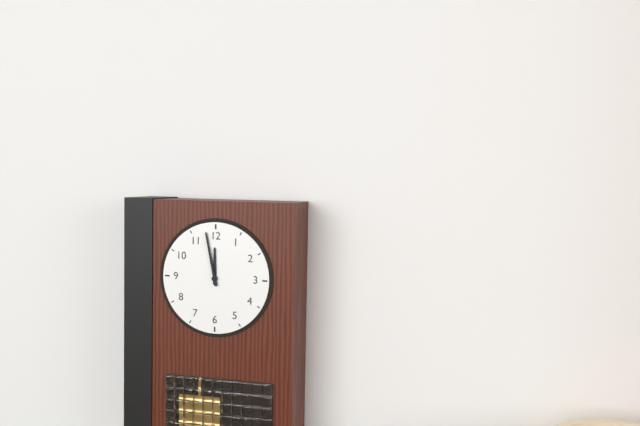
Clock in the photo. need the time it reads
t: 11:58
